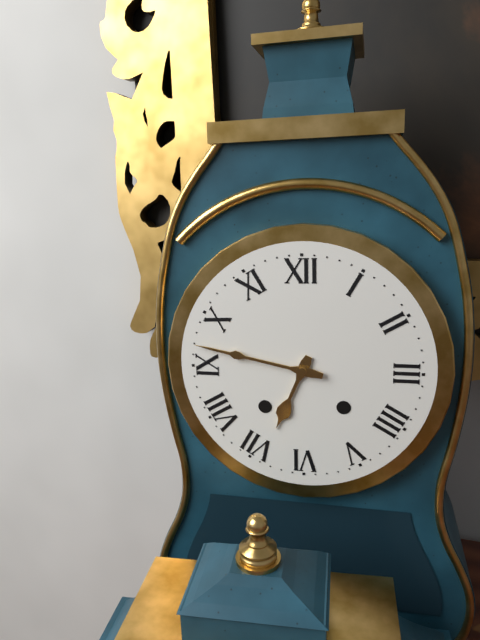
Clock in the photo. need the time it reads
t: 6:47
